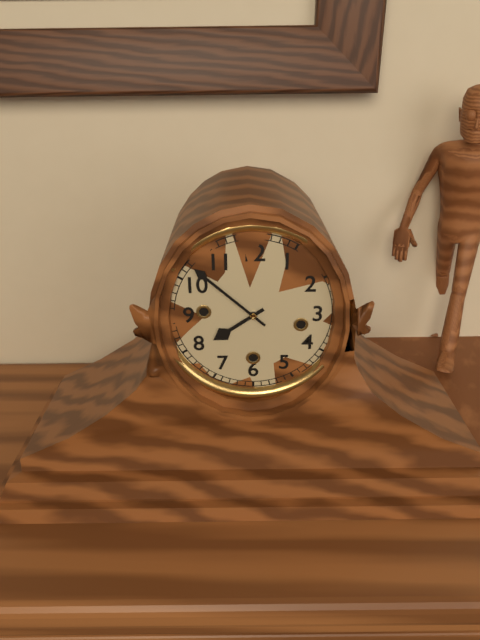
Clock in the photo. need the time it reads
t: 7:52
